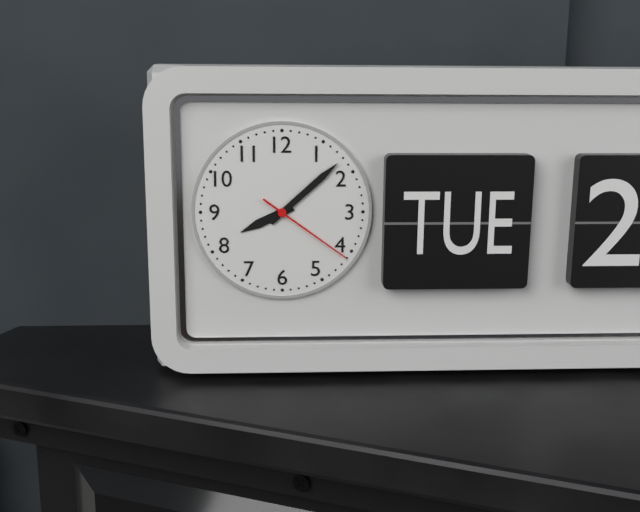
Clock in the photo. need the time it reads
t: 8:08:21
